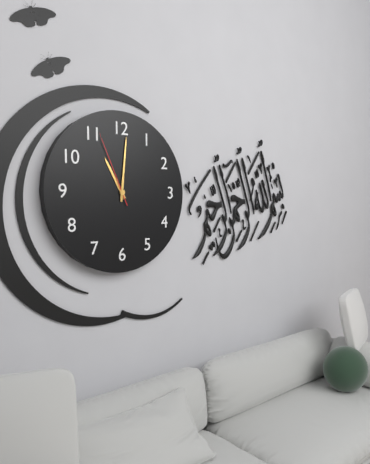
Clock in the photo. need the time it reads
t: 11:01:56
